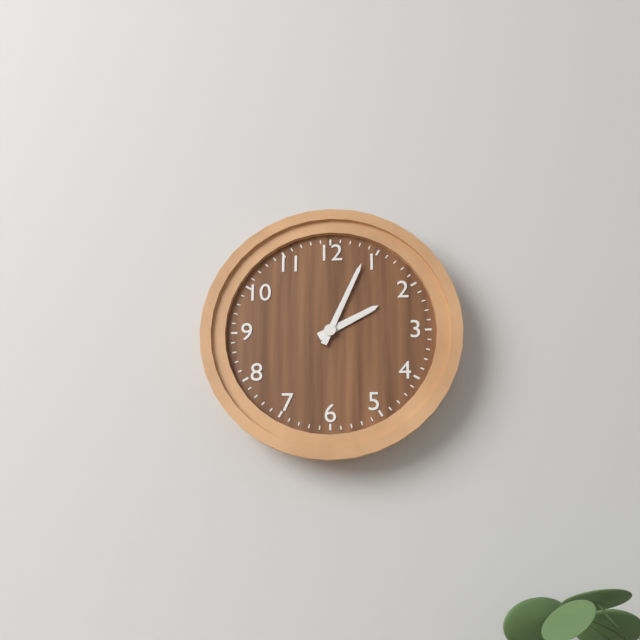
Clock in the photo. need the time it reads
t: 2:04
